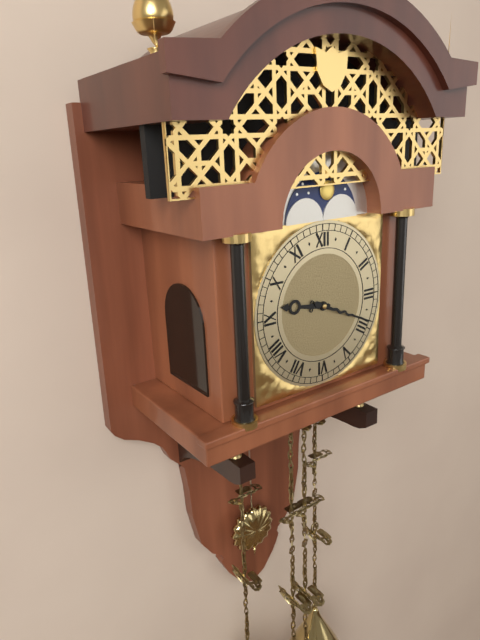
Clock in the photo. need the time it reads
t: 9:19
